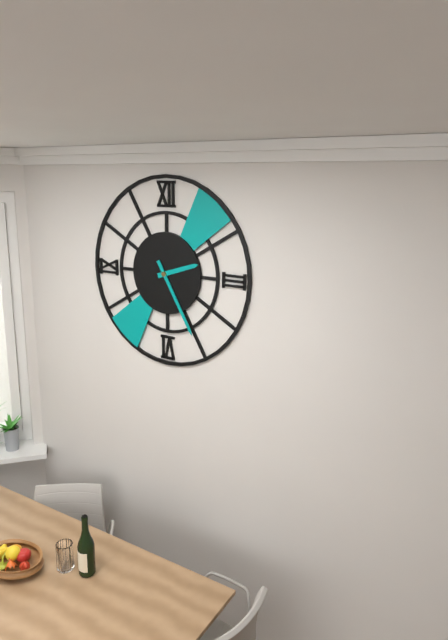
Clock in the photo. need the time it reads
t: 2:25
